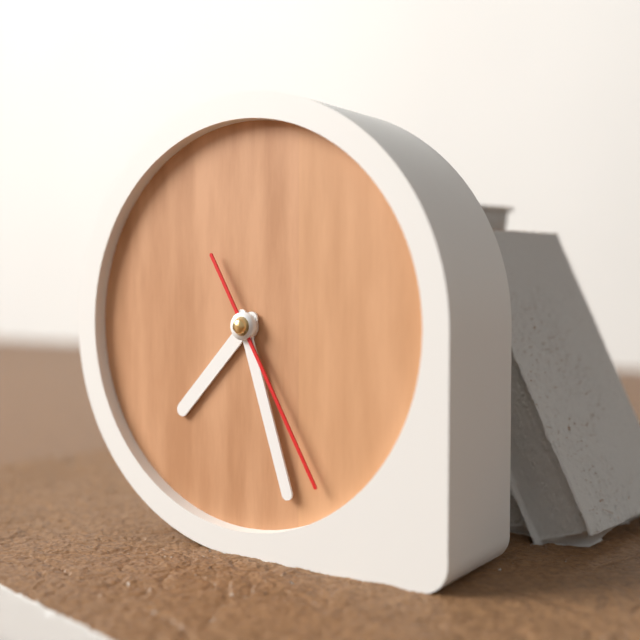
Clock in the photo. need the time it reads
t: 7:27:25
